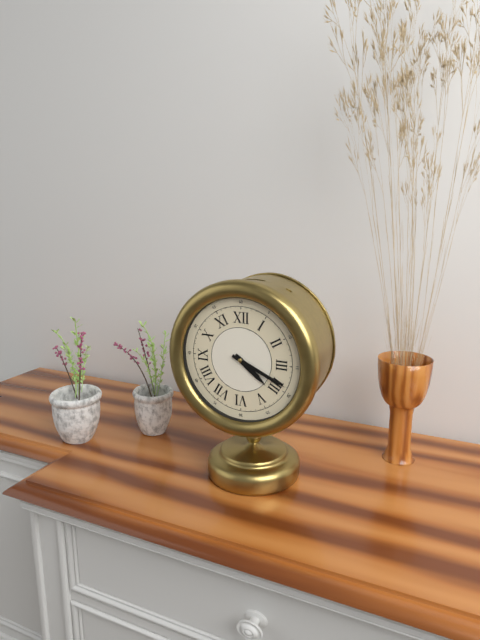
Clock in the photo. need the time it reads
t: 4:19
